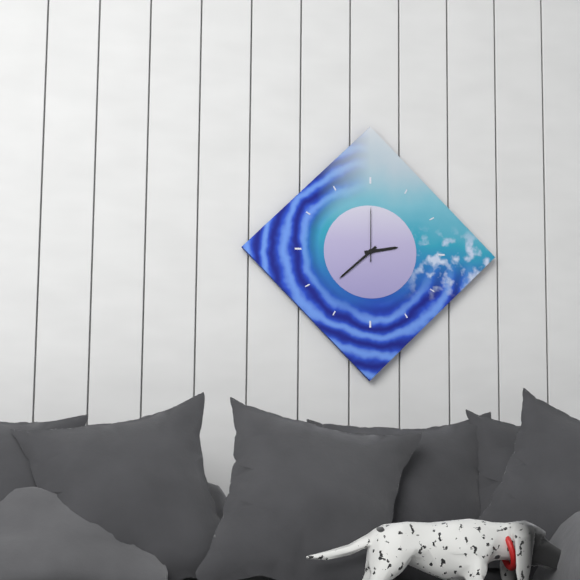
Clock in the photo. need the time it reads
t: 2:38:00
